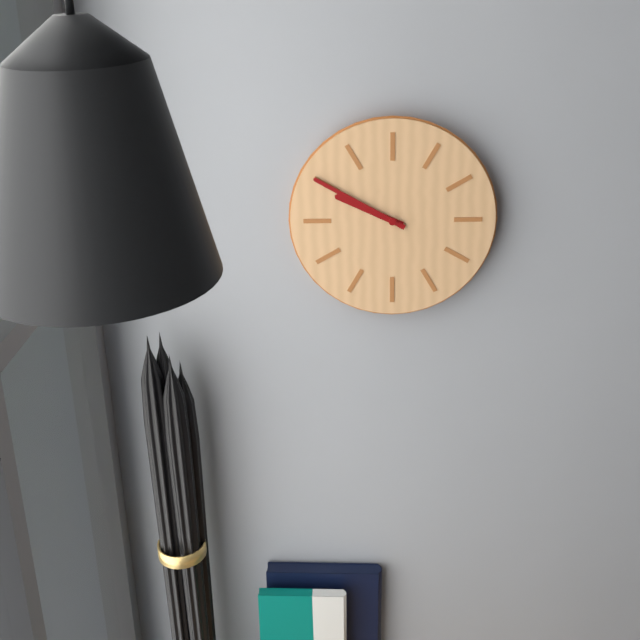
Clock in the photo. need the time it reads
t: 9:50
